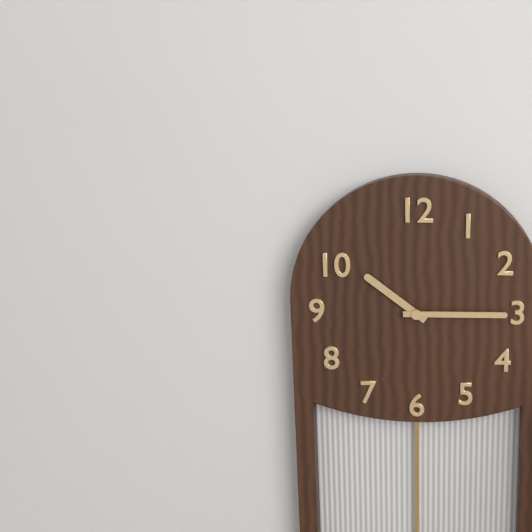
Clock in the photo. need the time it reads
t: 10:15
